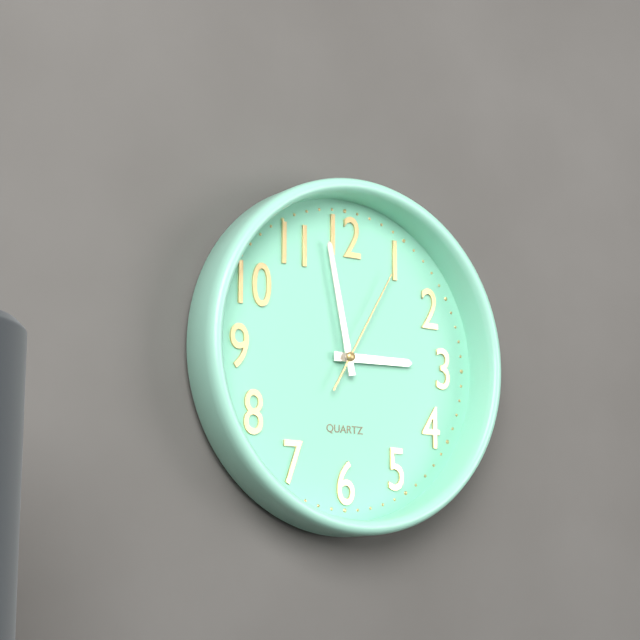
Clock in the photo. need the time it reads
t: 2:58:05
